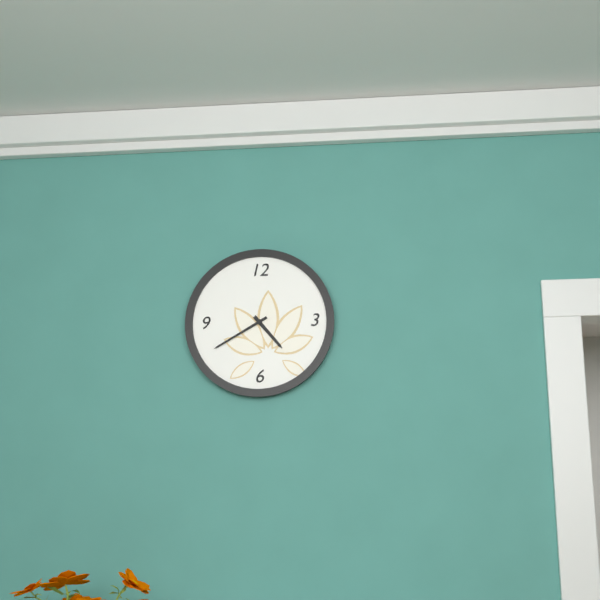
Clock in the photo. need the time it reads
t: 4:40
